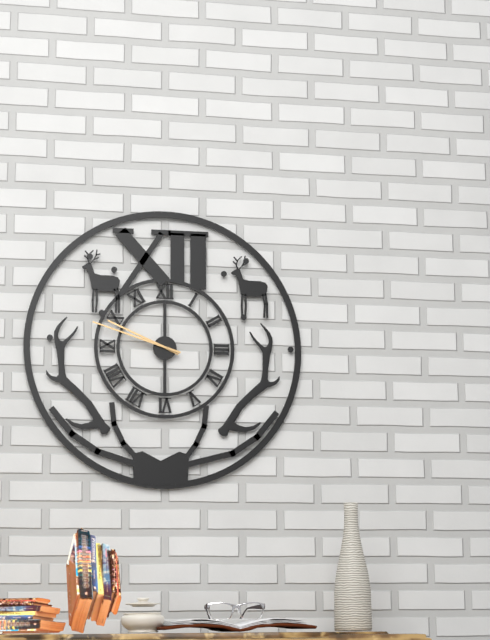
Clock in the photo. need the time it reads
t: 9:48
